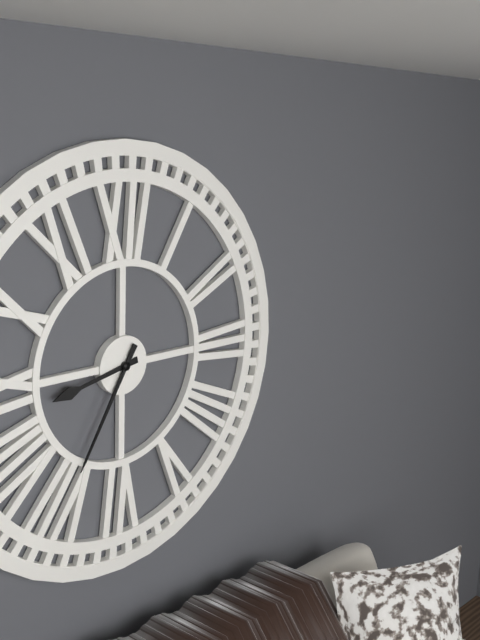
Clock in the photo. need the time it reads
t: 8:35
